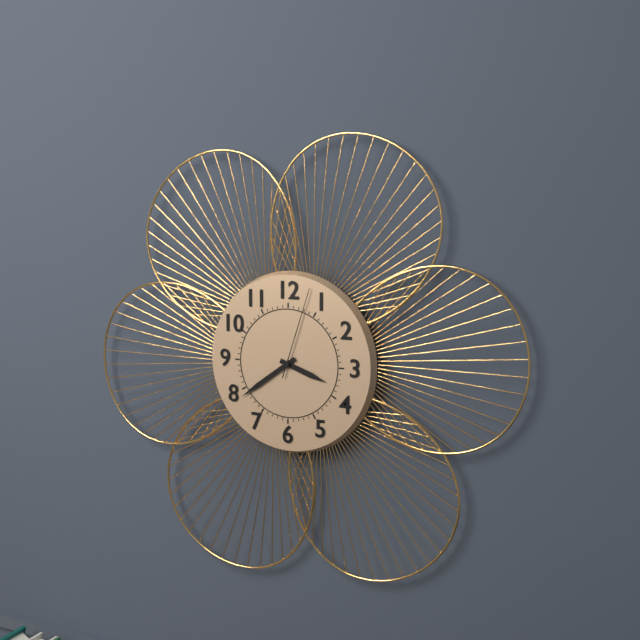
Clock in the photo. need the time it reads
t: 3:39:03
